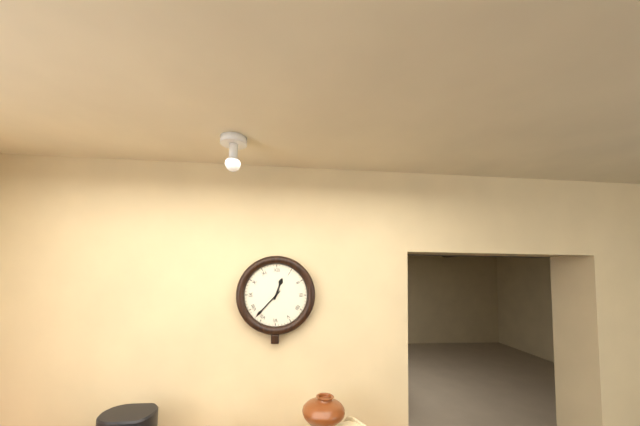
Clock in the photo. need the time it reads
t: 12:37
